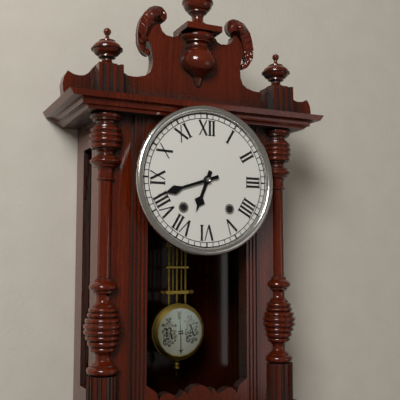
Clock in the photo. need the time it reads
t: 6:42
